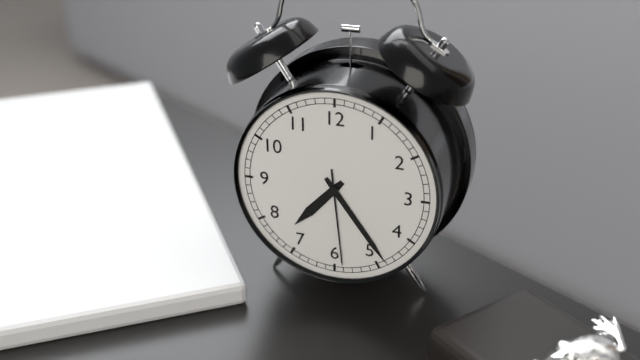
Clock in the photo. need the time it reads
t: 7:24:29
